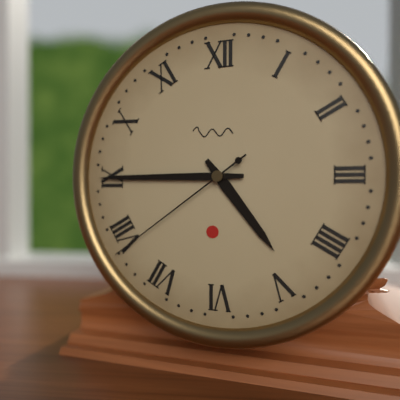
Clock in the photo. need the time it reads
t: 4:45:39
